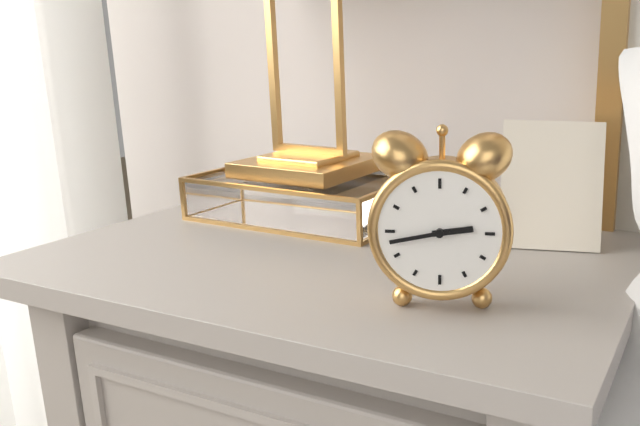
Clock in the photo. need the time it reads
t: 2:43
